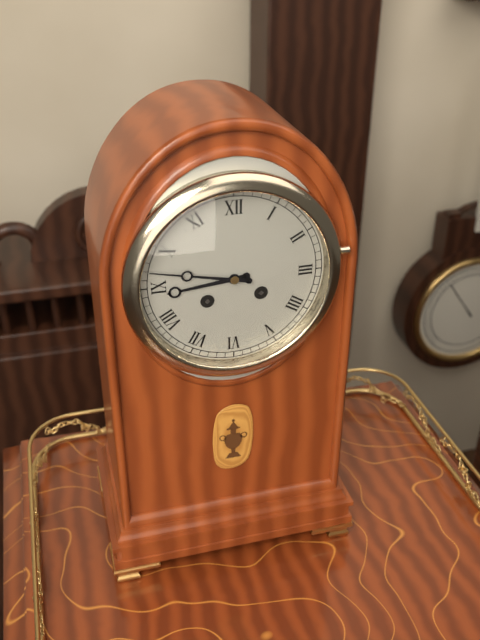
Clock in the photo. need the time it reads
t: 8:47
